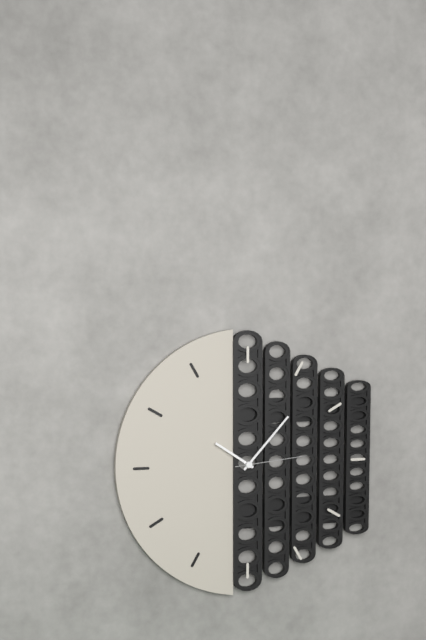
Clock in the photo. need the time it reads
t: 10:07:14
